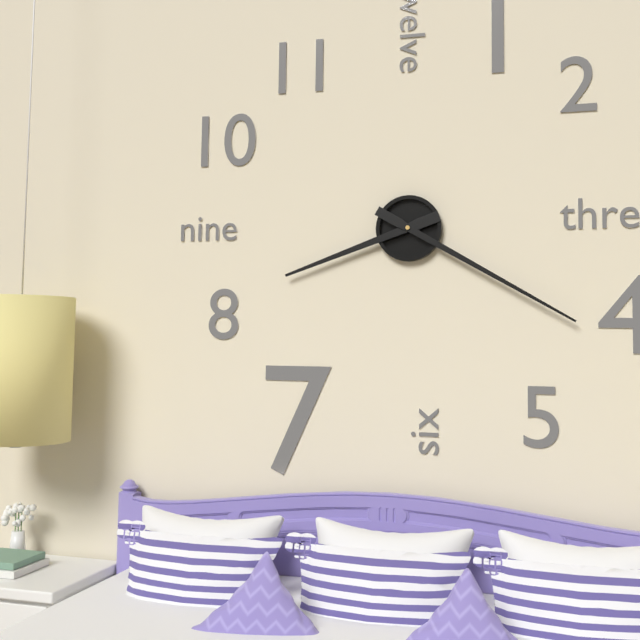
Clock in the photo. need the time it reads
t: 8:20
